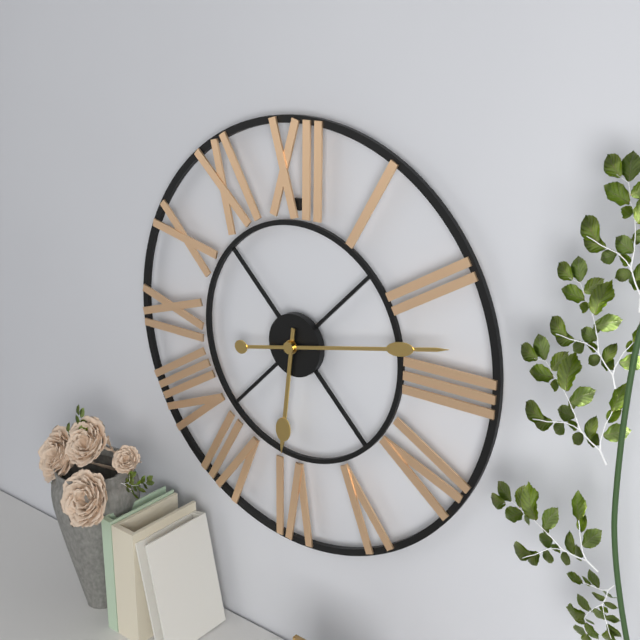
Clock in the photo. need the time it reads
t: 6:13
